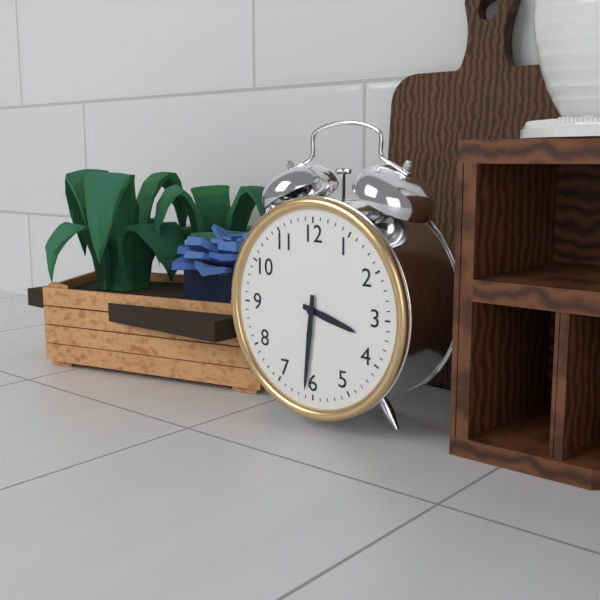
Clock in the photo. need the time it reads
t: 3:31
